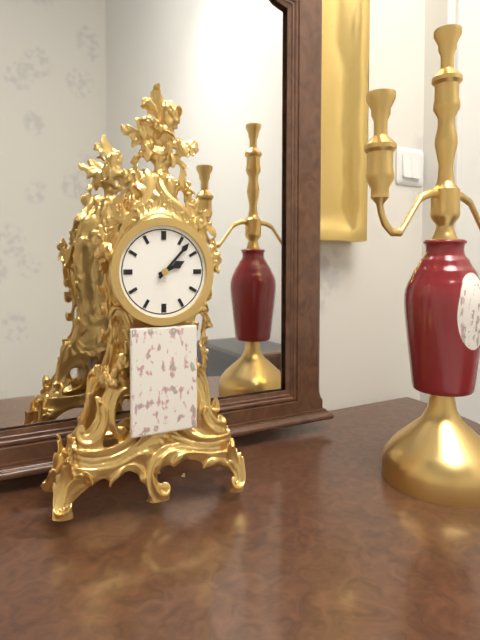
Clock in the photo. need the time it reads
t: 2:07
